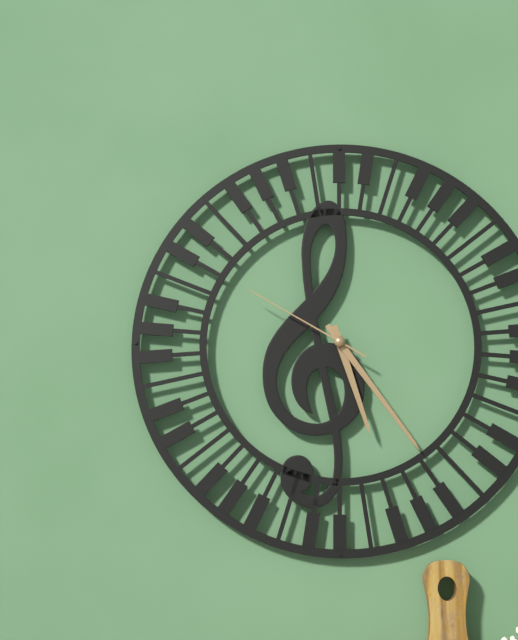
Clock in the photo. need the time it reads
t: 5:24:50
